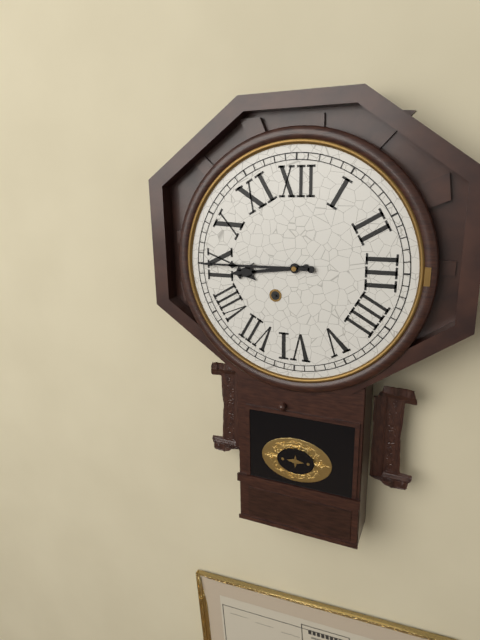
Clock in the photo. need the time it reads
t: 8:45
